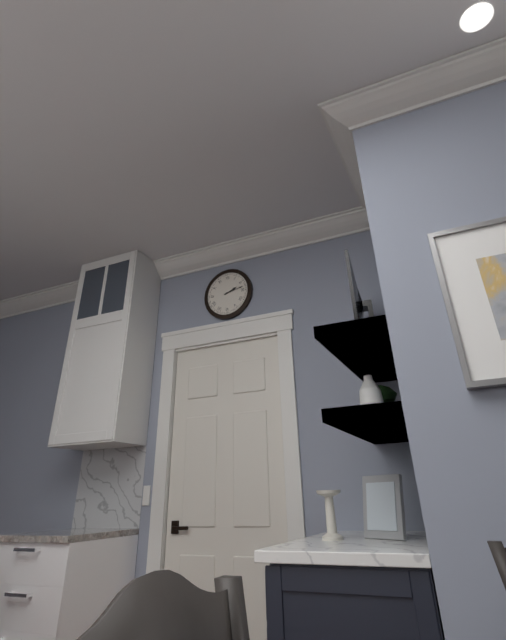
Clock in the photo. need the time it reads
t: 2:13
